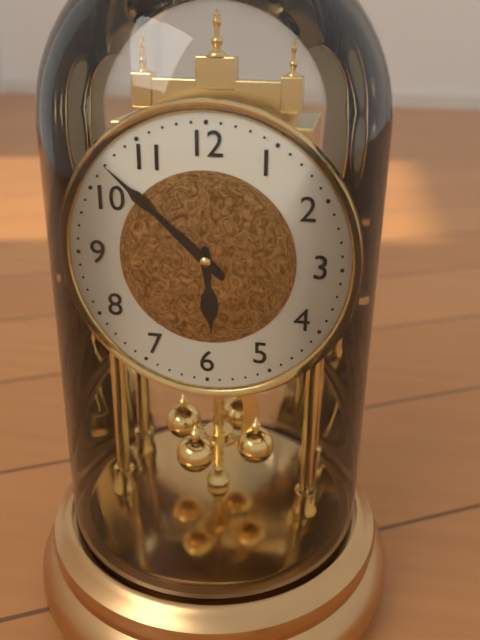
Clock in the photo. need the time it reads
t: 5:52
